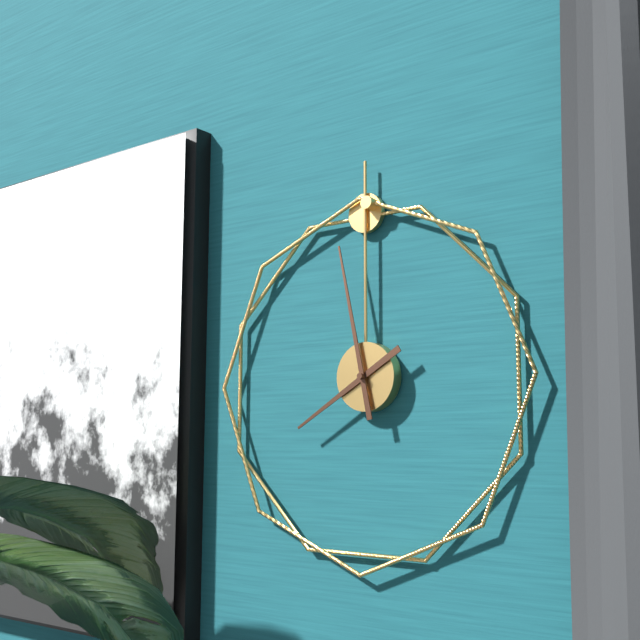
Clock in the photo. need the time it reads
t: 7:58
